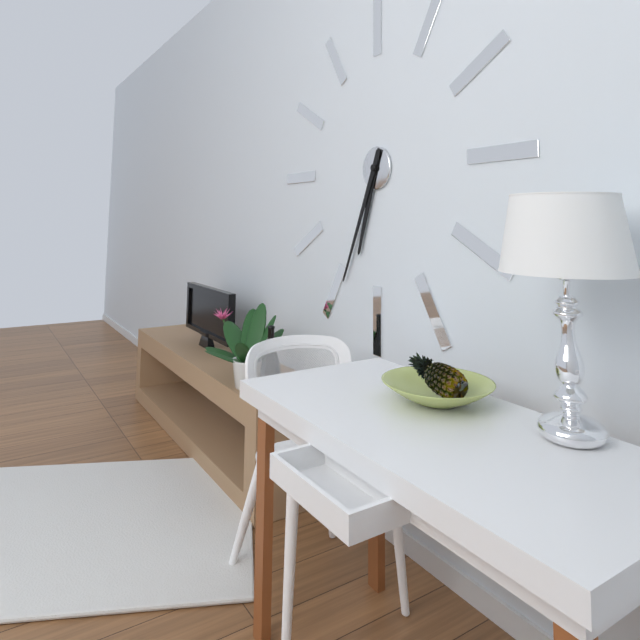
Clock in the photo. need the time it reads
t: 6:34
